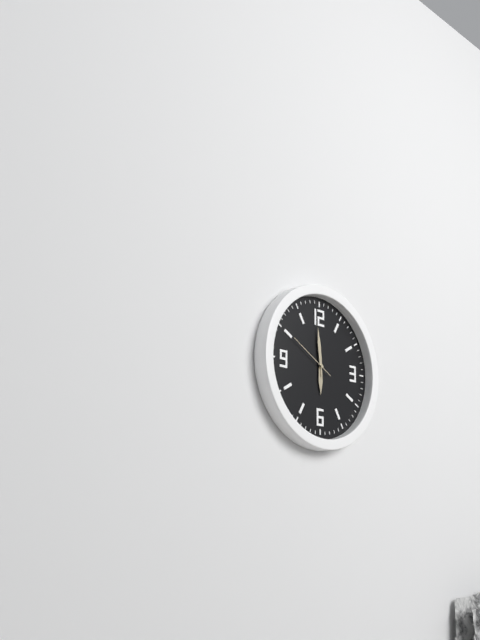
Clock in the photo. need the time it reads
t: 5:59
